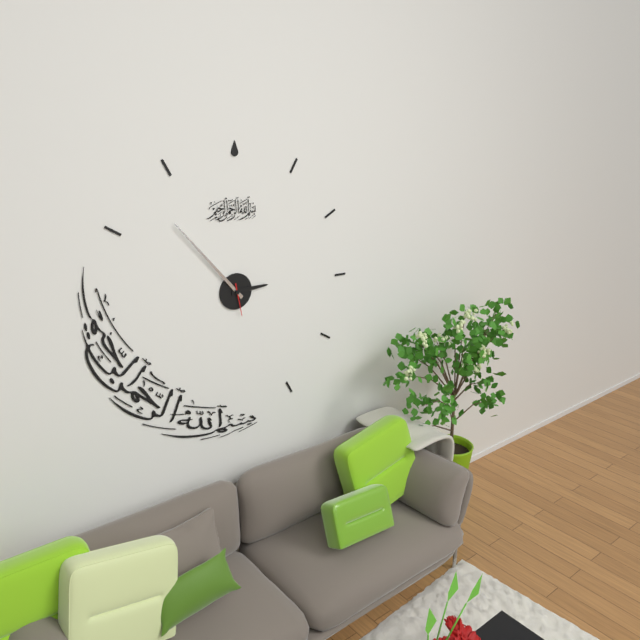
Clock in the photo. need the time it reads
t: 2:53
